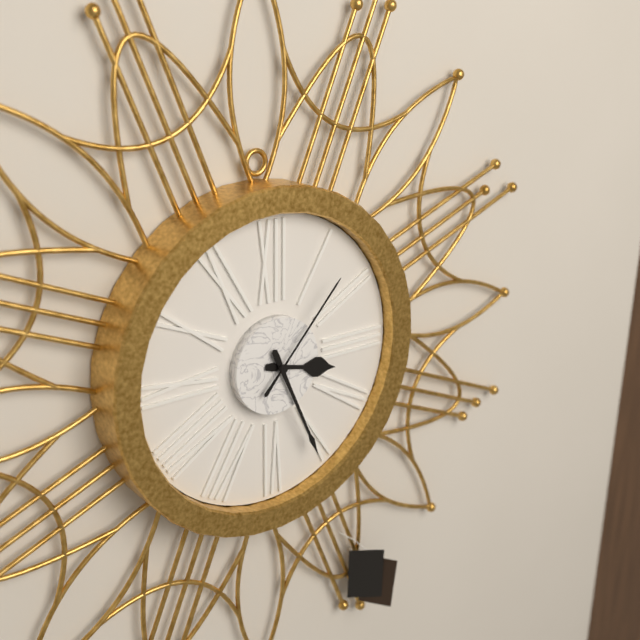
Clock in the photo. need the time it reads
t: 3:26:07
